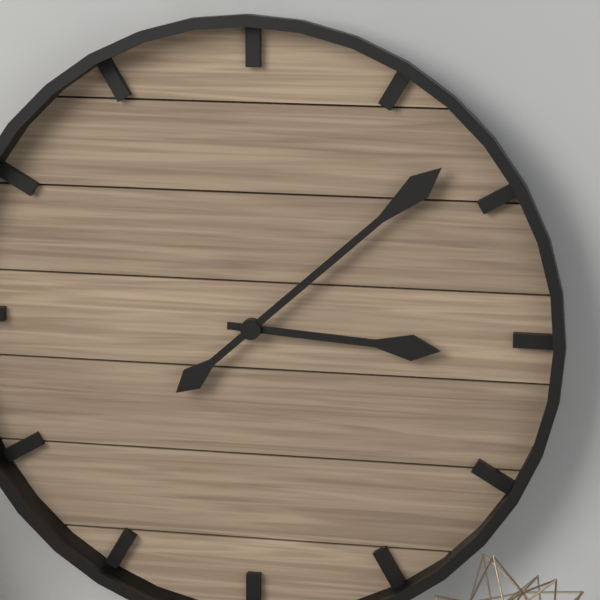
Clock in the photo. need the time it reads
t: 3:08
